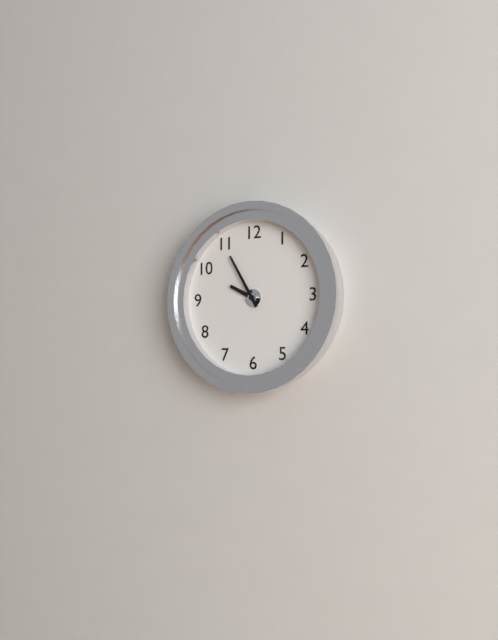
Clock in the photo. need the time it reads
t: 9:55
